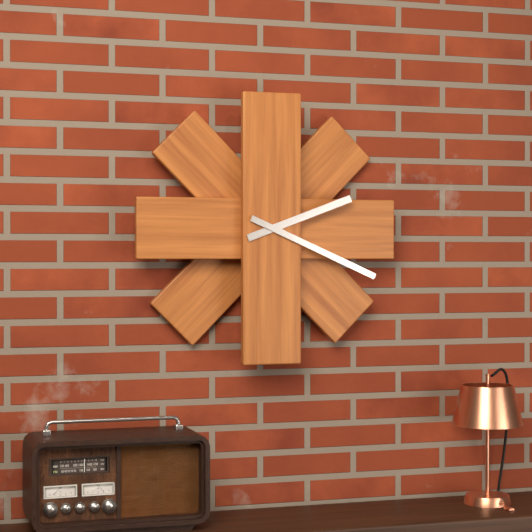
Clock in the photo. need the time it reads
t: 2:19
